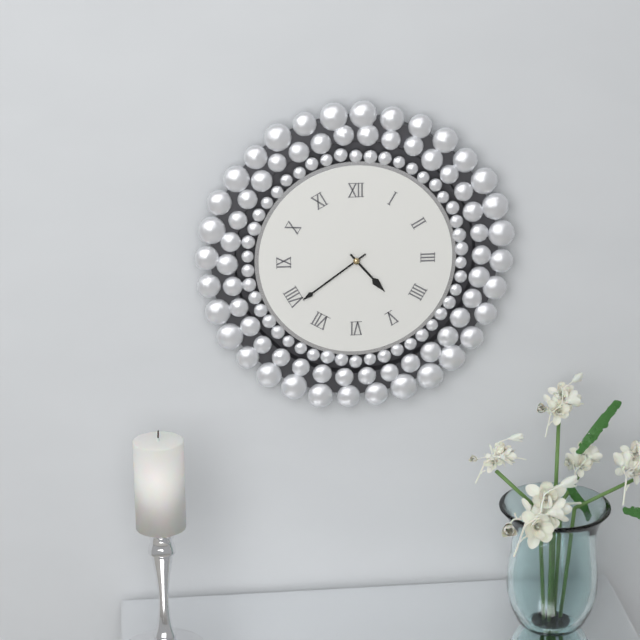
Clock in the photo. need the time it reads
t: 4:39
